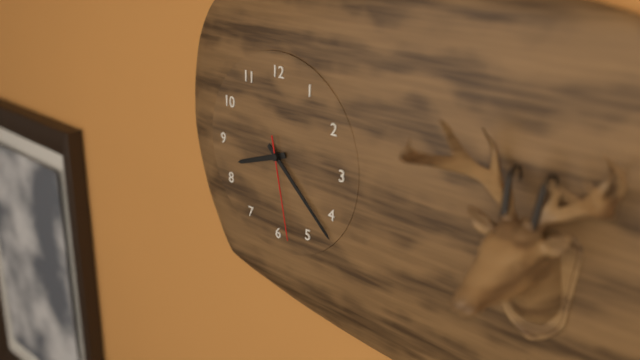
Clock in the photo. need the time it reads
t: 8:22:28
